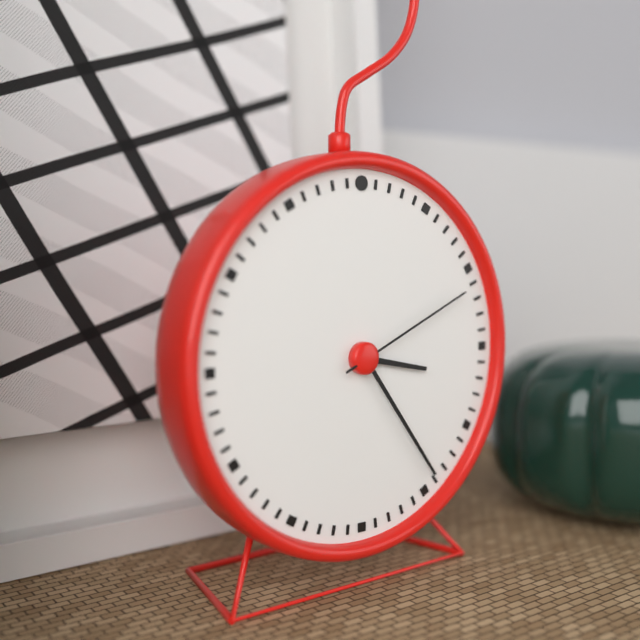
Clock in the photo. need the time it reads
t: 3:24:11
